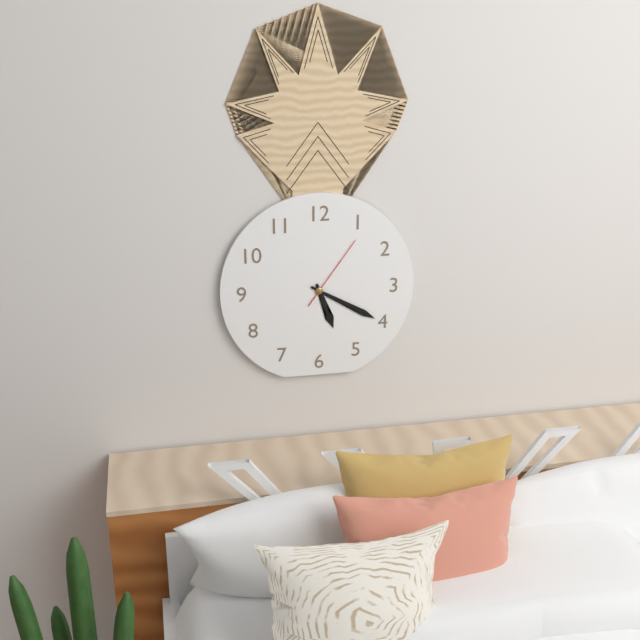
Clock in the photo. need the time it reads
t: 5:20:06
